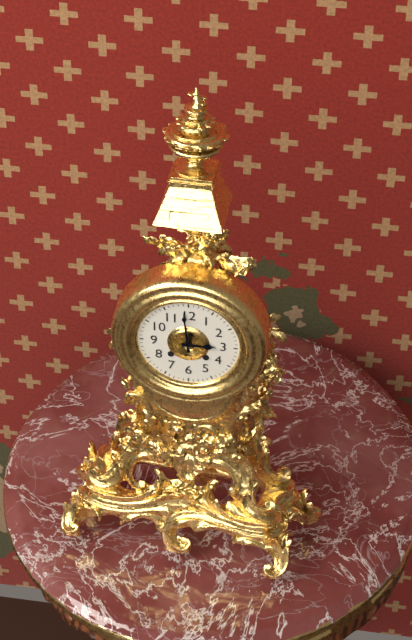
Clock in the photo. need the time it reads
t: 2:59
